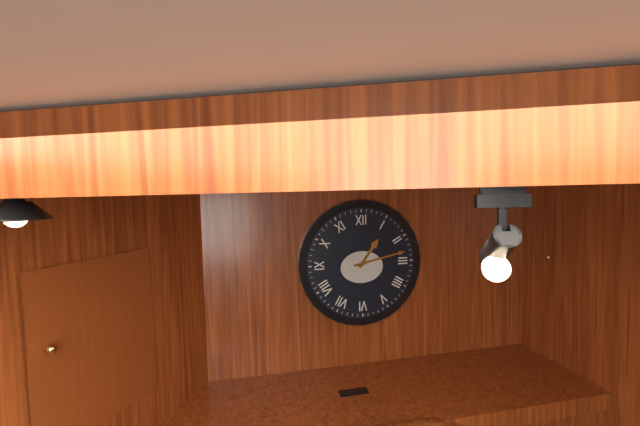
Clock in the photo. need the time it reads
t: 1:13
